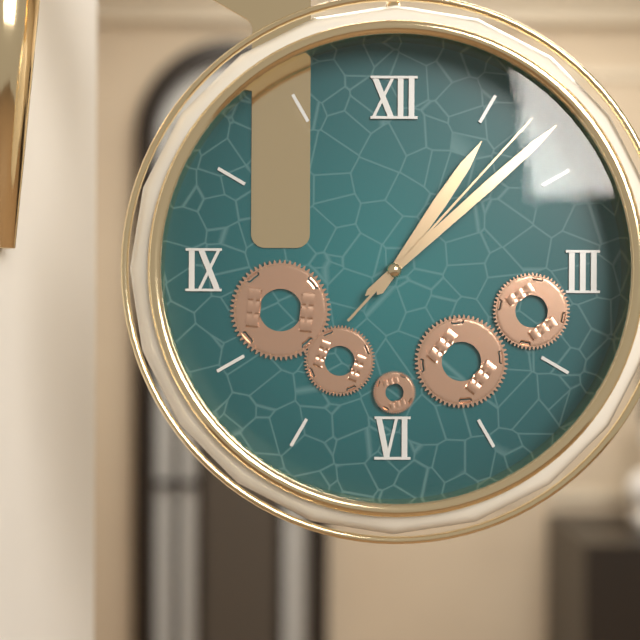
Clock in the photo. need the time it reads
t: 1:08:07
